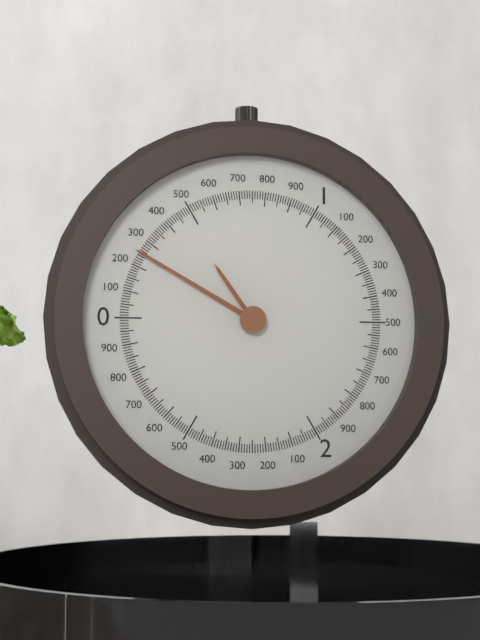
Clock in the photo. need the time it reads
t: 10:50
